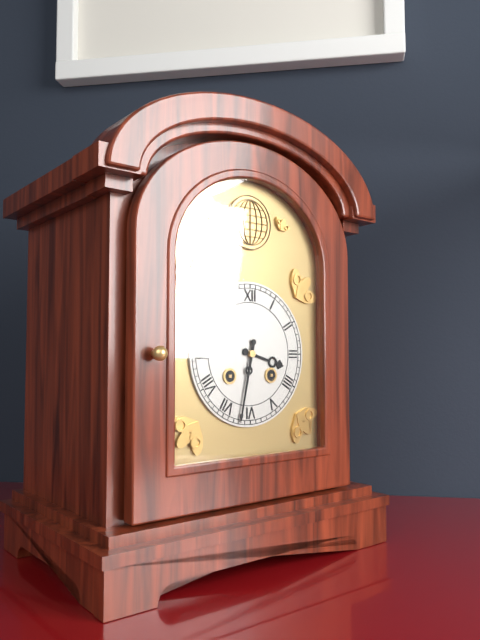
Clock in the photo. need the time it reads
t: 3:32
